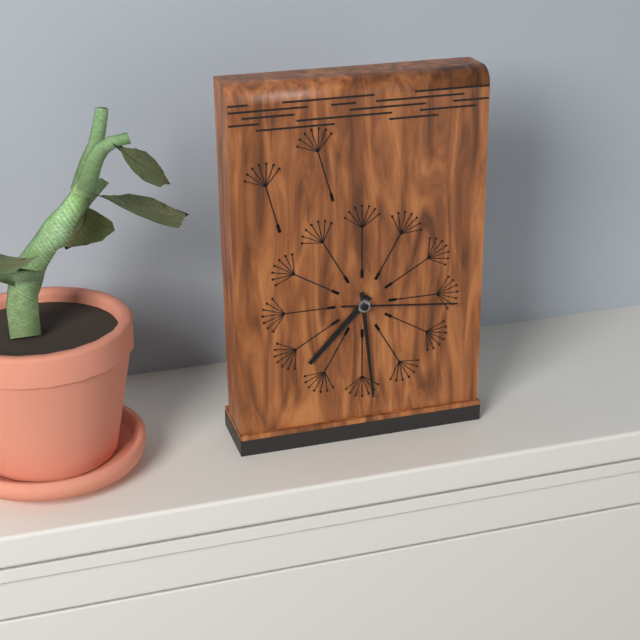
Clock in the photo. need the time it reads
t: 7:29:16
